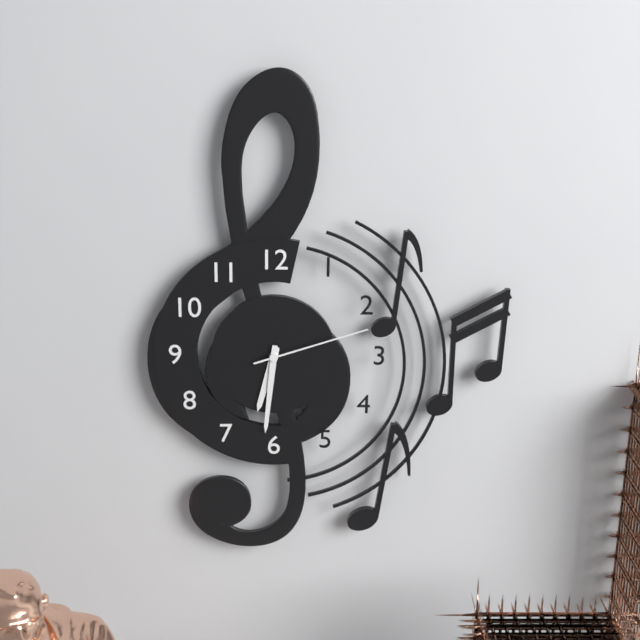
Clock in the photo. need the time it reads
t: 6:31:12
